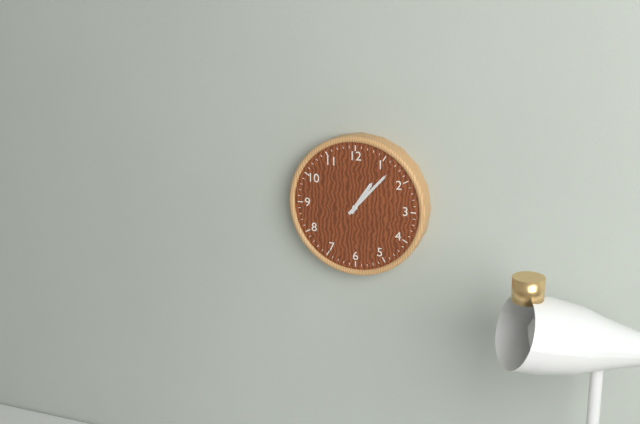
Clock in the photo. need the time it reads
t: 1:07
